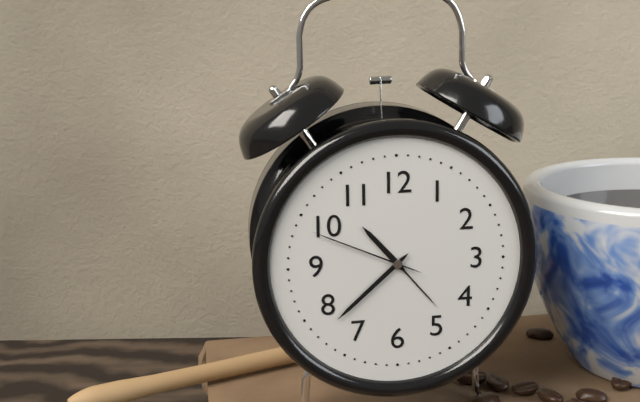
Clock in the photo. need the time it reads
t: 10:38:49
